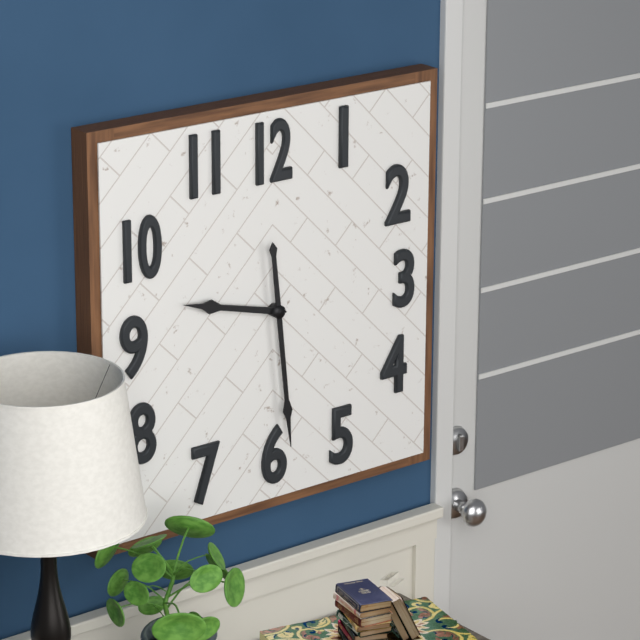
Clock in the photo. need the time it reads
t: 9:29
